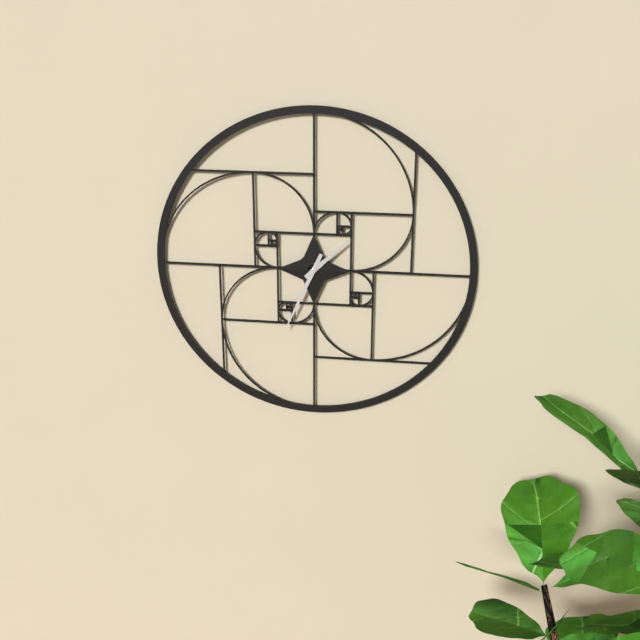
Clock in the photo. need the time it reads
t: 1:34
